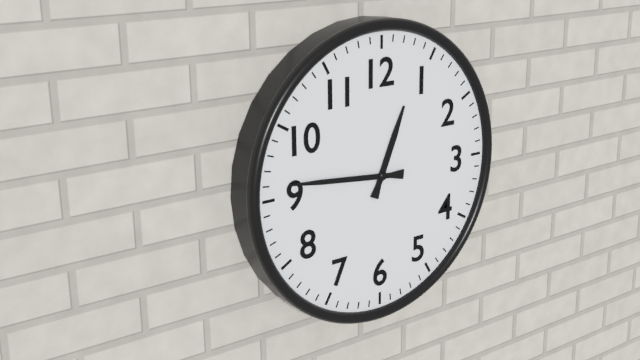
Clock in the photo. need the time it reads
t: 12:46
